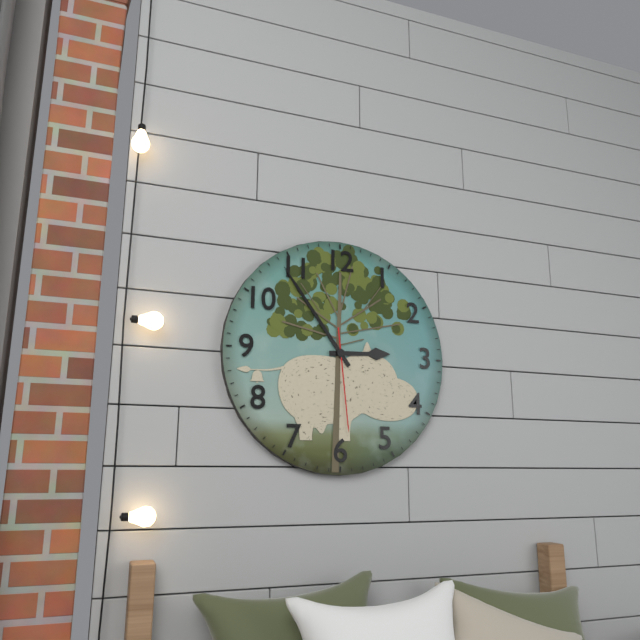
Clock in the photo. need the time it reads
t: 2:54:29
